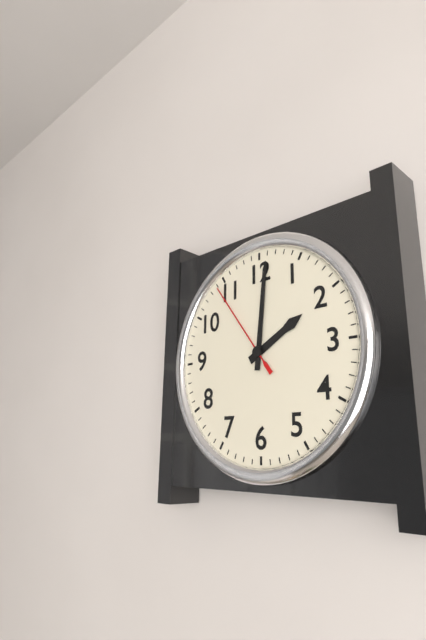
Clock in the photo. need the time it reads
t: 2:01:54
